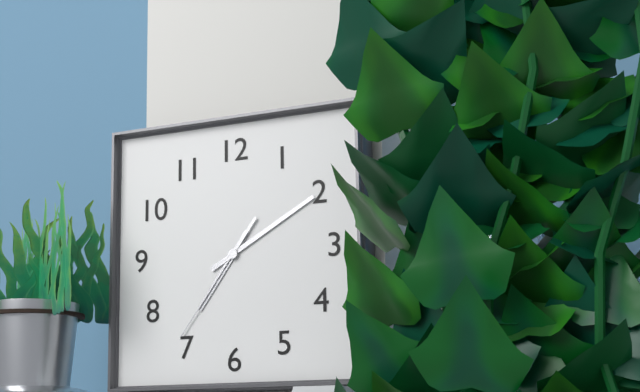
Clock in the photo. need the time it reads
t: 7:10:36
